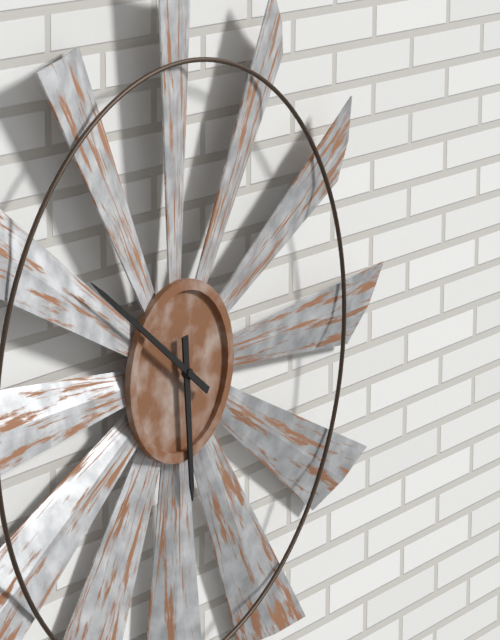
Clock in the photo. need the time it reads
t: 5:51
